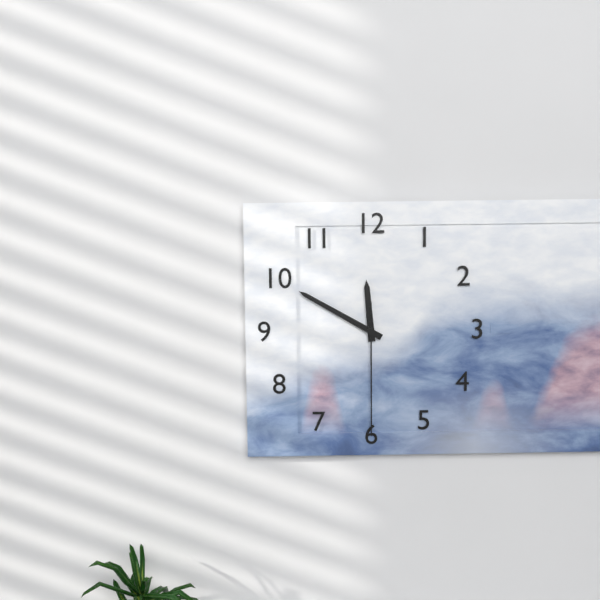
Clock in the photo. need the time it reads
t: 11:50:30
